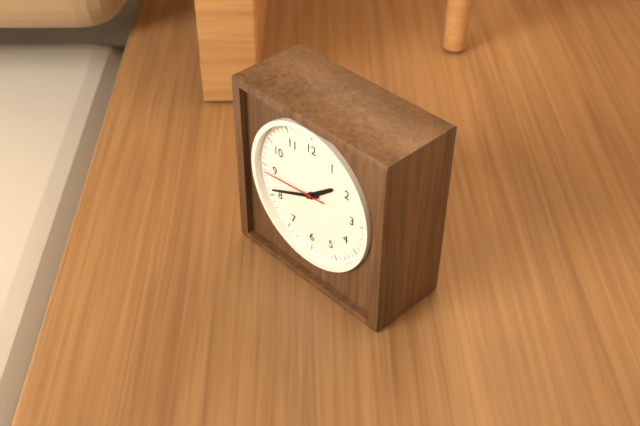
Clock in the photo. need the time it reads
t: 1:41:44
